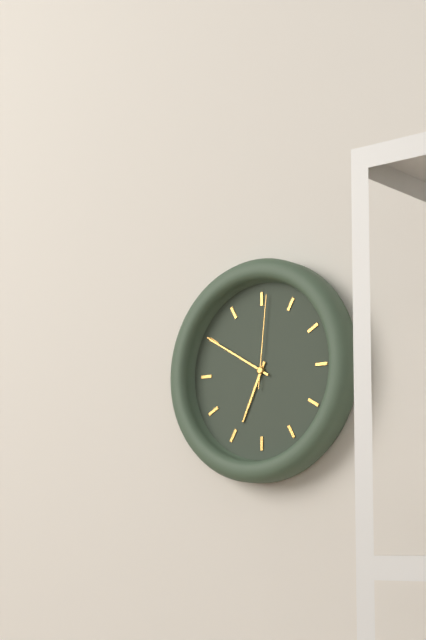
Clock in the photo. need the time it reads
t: 6:50:01
